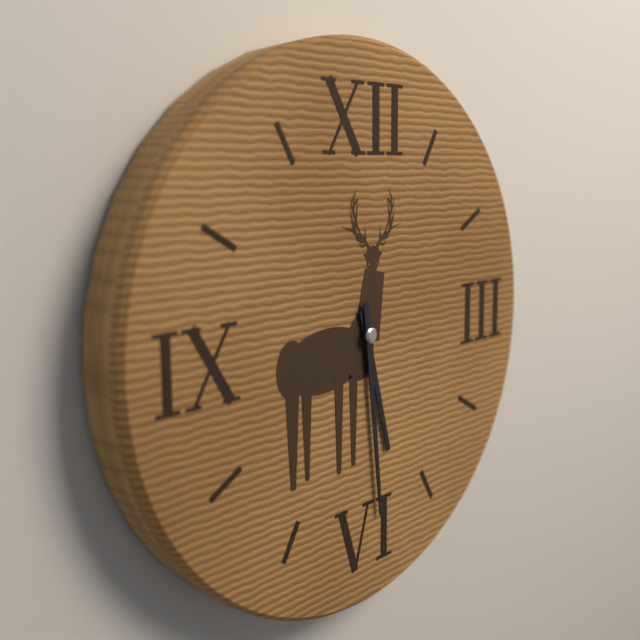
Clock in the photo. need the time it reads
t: 5:29
